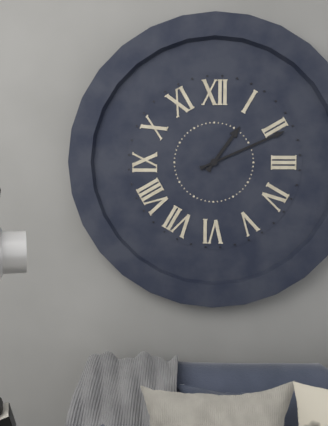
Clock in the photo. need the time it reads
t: 1:11
